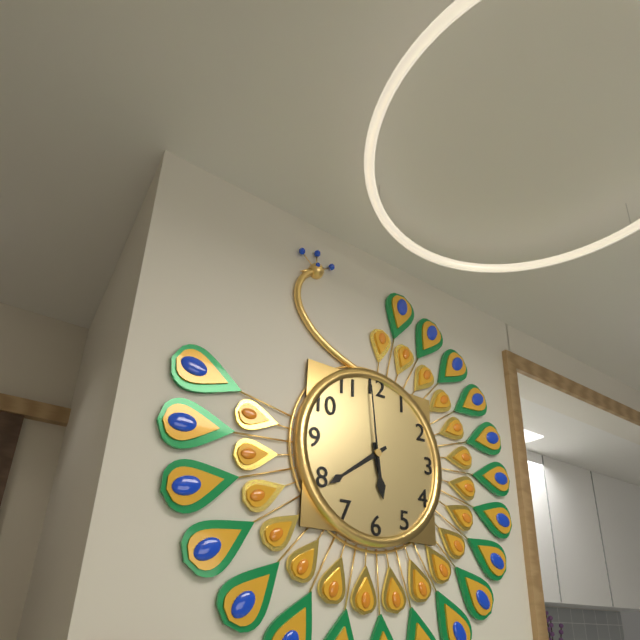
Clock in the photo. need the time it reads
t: 5:39:59
